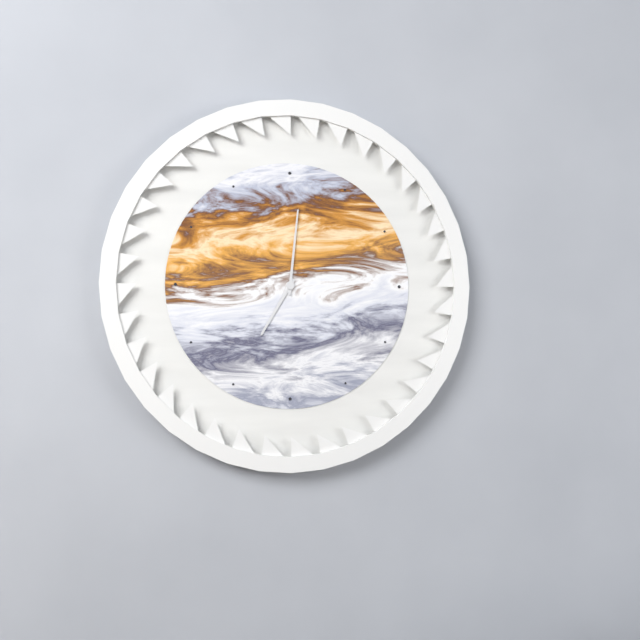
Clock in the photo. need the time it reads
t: 7:01
